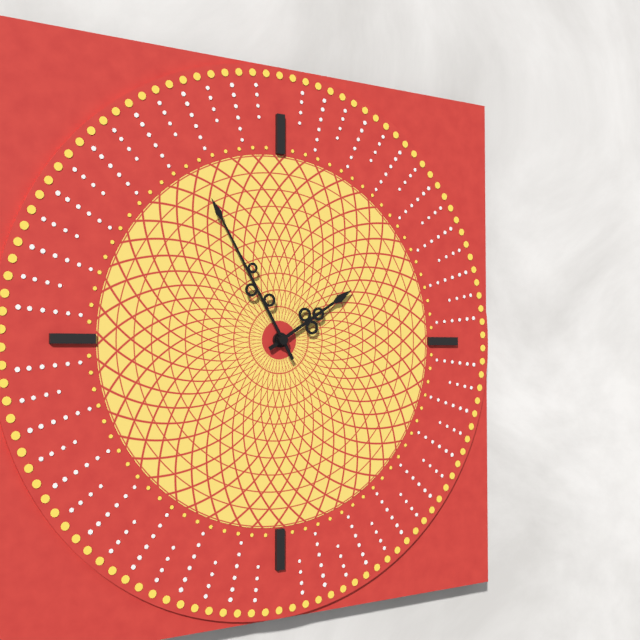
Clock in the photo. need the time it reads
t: 1:55
